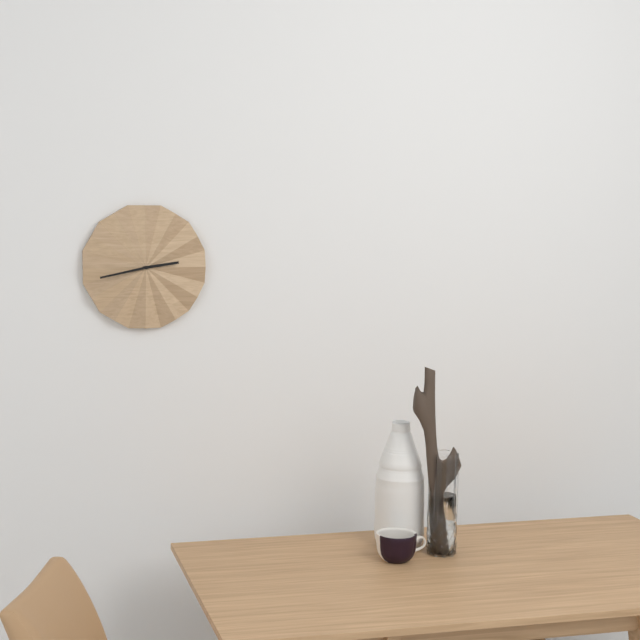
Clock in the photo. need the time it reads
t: 2:43
